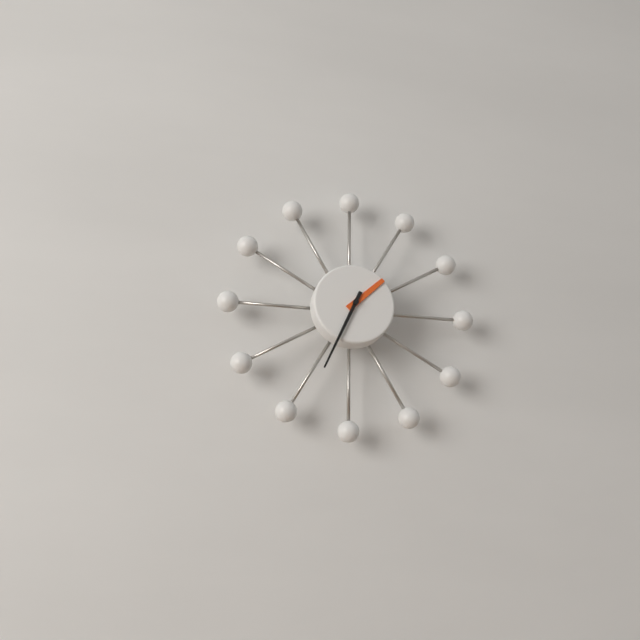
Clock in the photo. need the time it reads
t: 1:34
